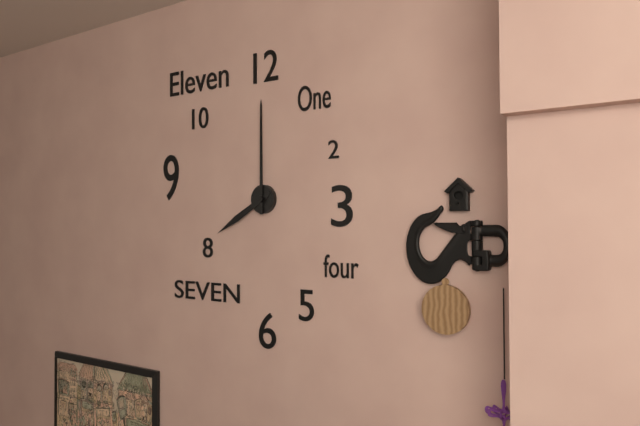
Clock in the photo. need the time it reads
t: 8:00
